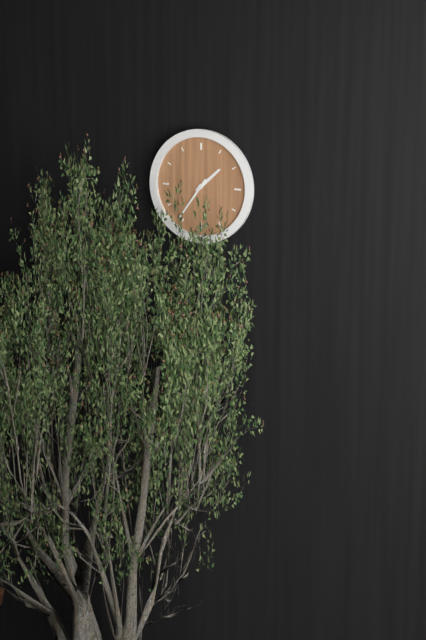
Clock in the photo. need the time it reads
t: 1:36
